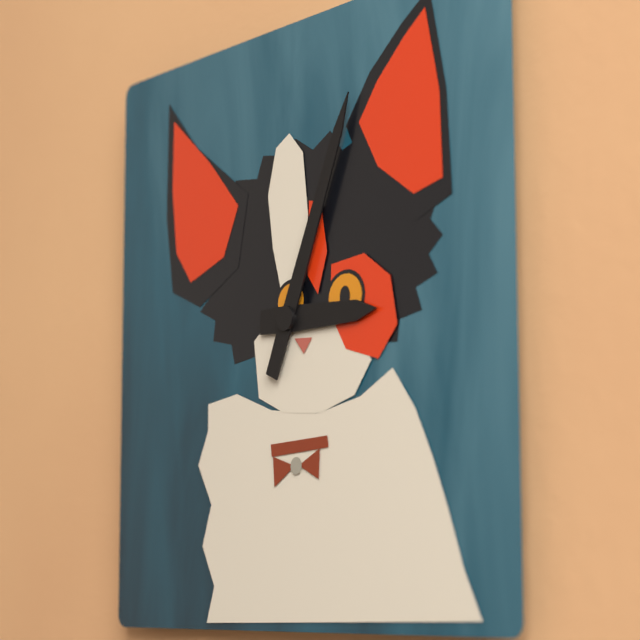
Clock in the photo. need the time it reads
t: 3:04
